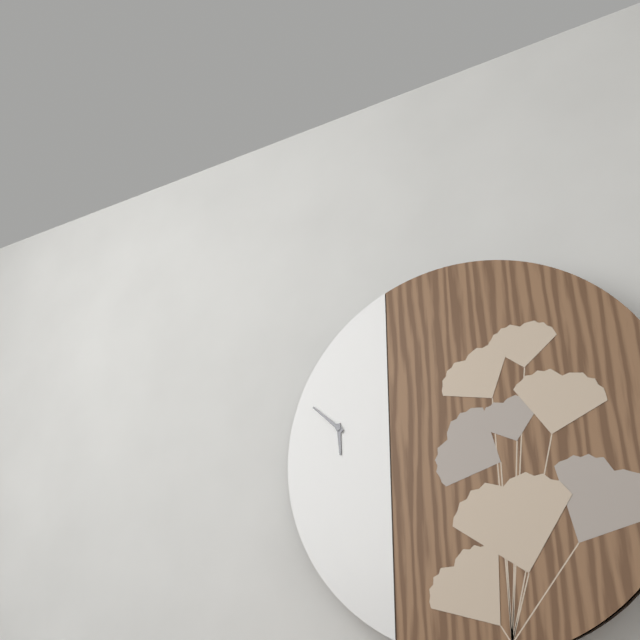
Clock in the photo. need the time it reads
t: 5:52
